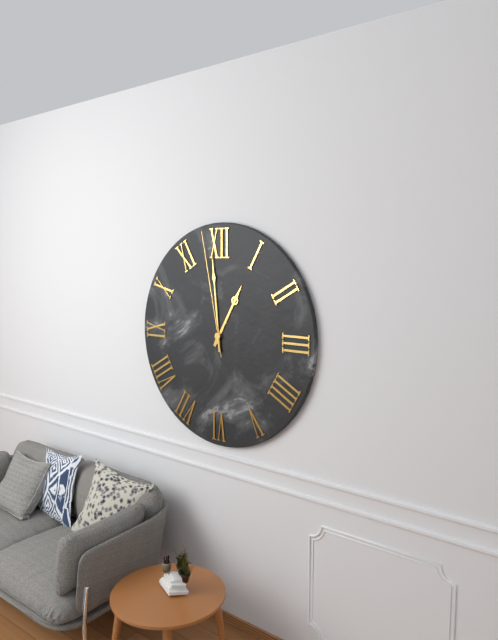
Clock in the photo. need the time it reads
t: 12:59:58
